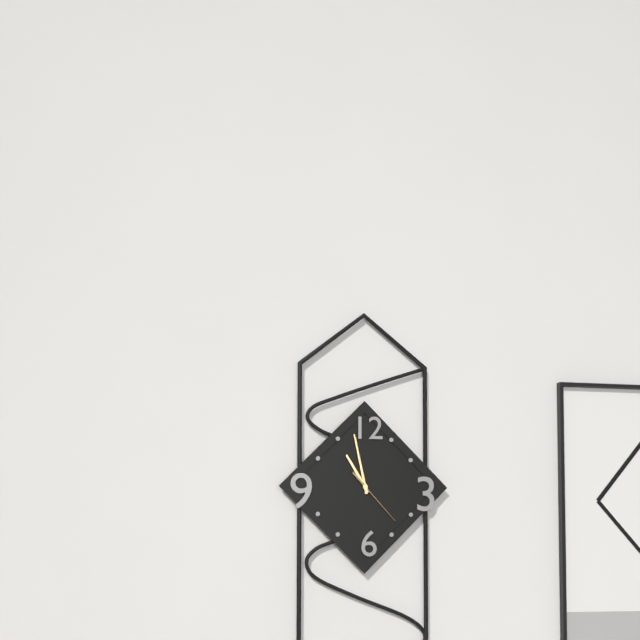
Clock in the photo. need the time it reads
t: 10:58:23
